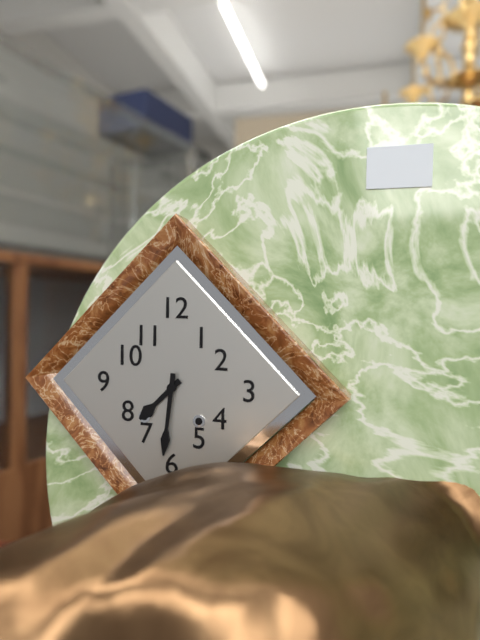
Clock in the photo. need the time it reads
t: 7:31
